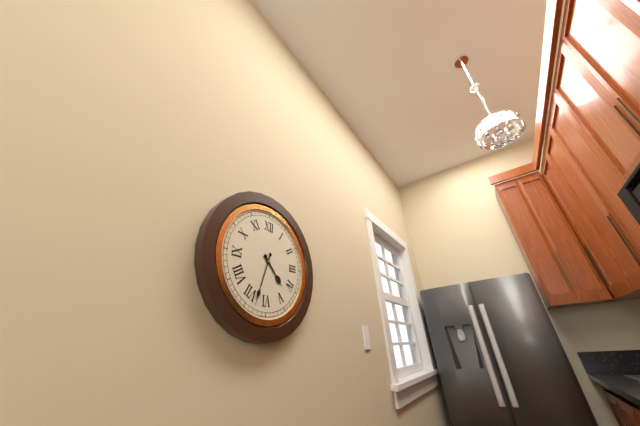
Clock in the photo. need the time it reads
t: 4:33
